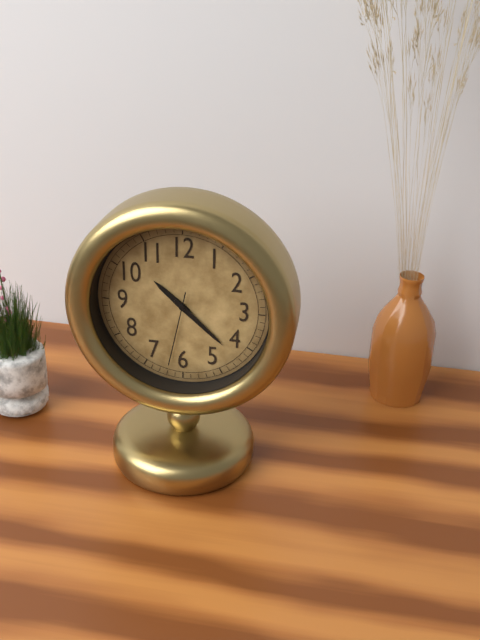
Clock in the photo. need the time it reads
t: 10:22:32
